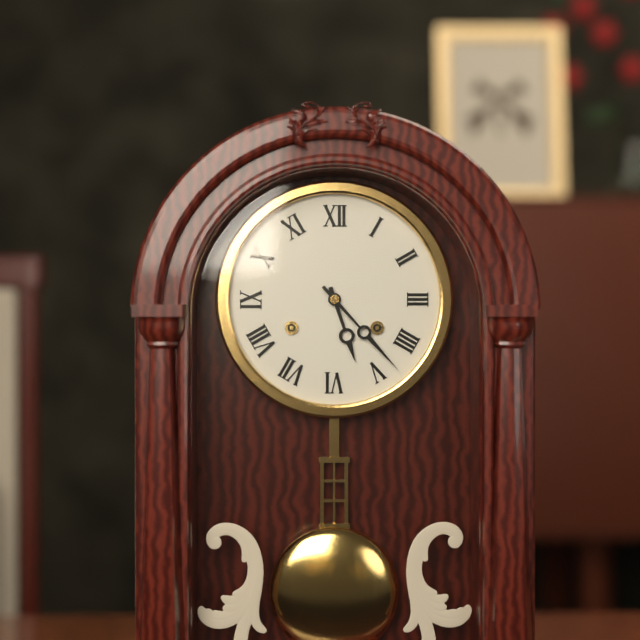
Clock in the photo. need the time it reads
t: 5:23
